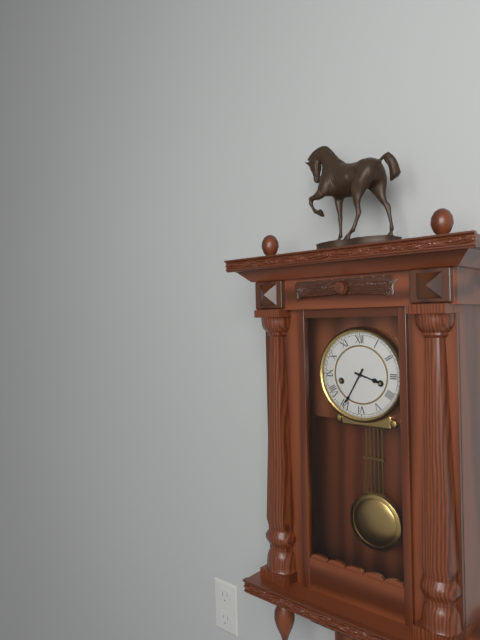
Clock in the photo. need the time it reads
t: 3:35
